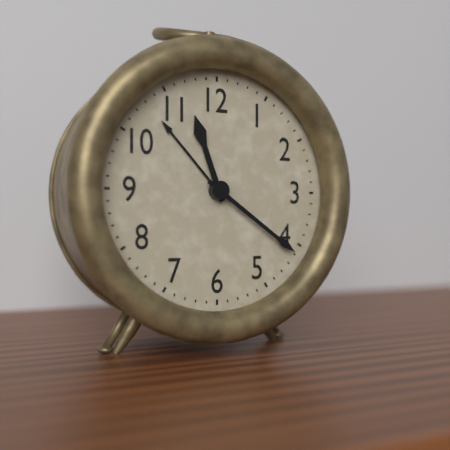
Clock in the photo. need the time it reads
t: 11:21
